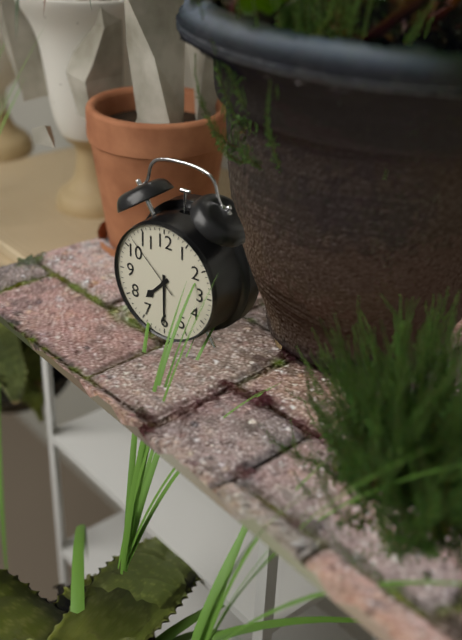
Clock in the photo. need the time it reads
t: 7:30:52
